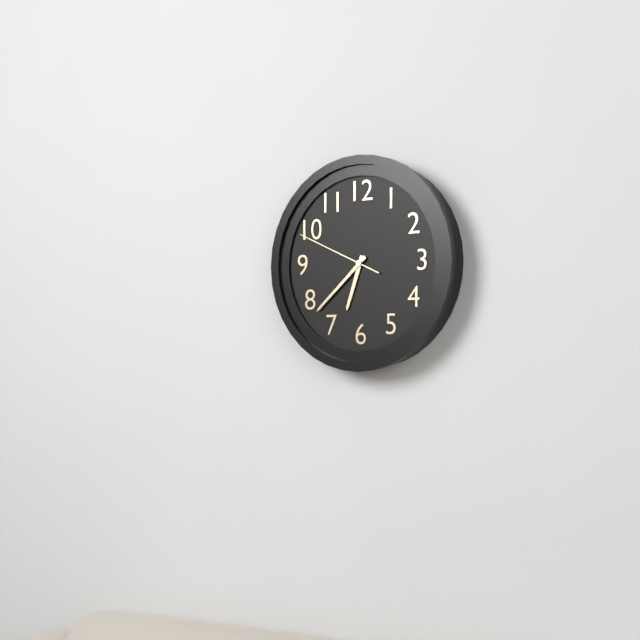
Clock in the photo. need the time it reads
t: 6:38:49
